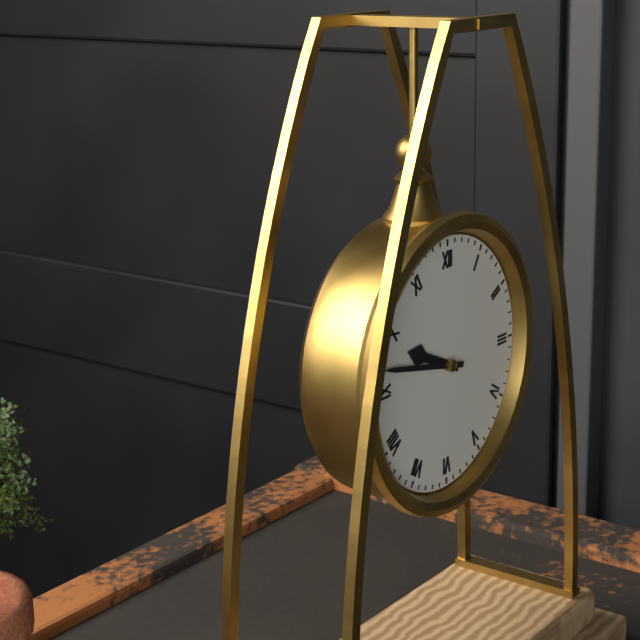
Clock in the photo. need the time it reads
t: 9:47
